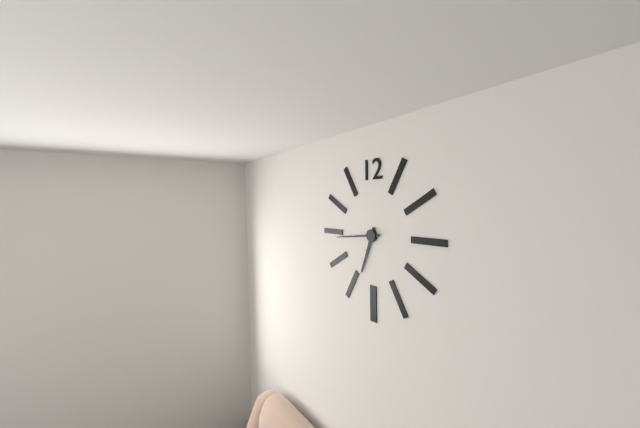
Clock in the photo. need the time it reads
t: 6:44
